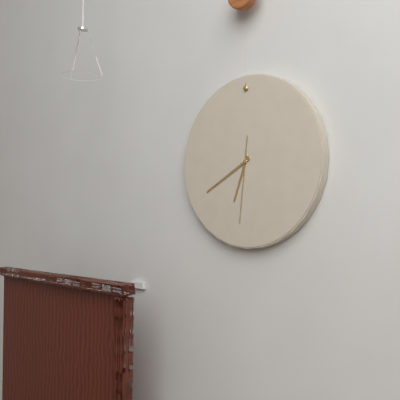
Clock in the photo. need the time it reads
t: 6:40:31
